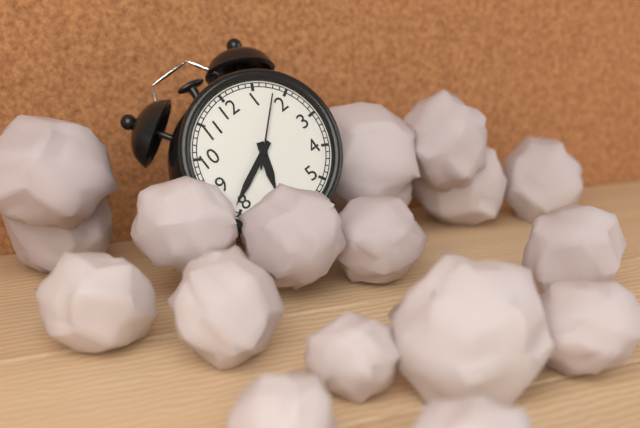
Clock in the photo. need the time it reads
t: 6:41:08
